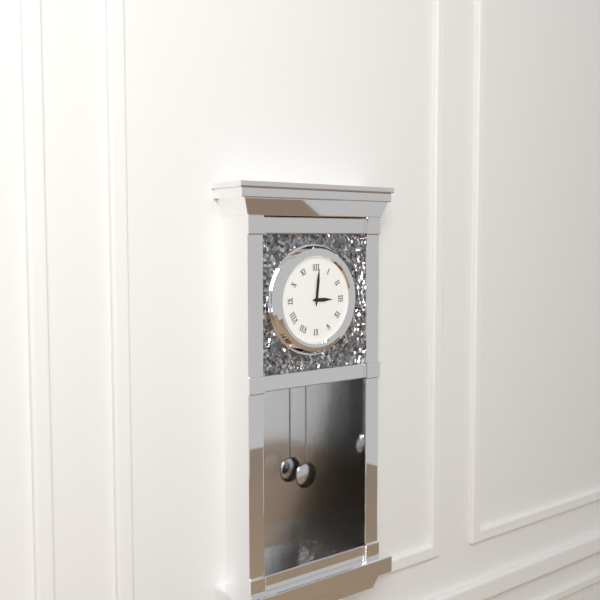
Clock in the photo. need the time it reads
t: 3:01
